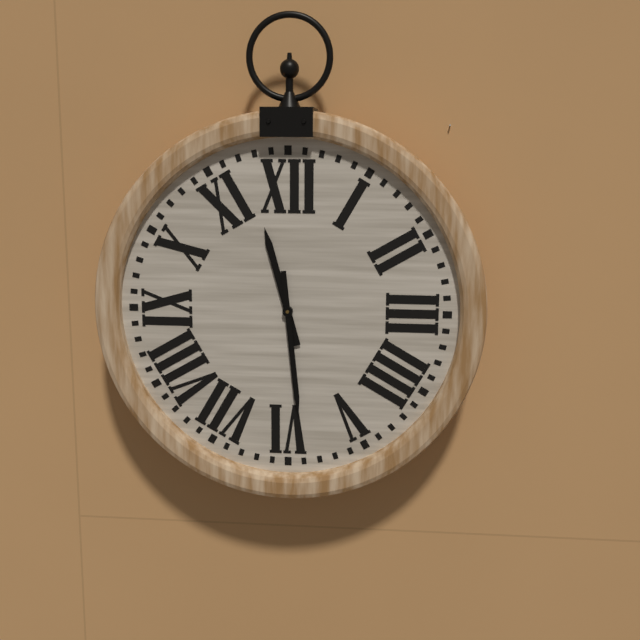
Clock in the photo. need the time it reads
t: 11:29
